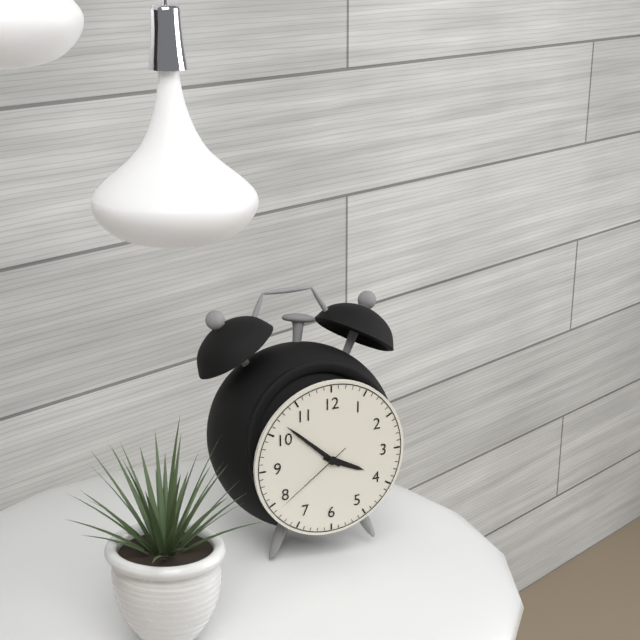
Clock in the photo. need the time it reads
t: 3:52:39
